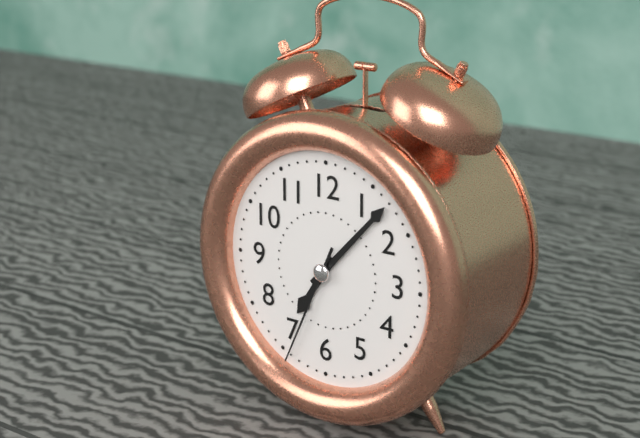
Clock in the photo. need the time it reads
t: 7:07:34
